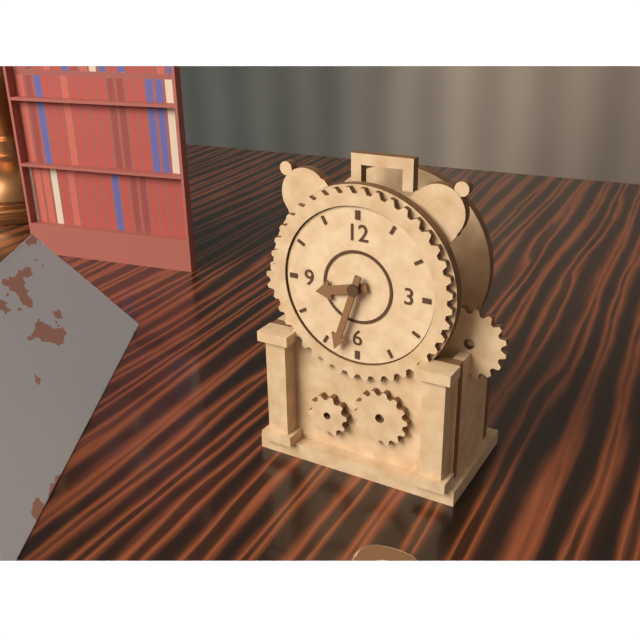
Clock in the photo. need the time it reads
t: 8:33
